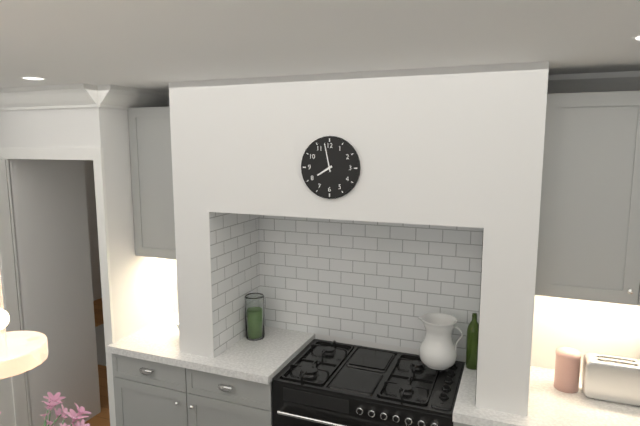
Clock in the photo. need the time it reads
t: 7:58
